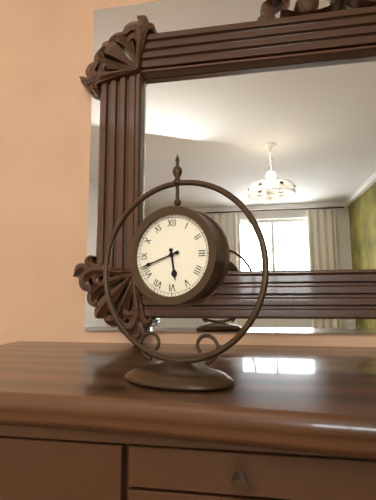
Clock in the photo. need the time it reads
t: 5:42
